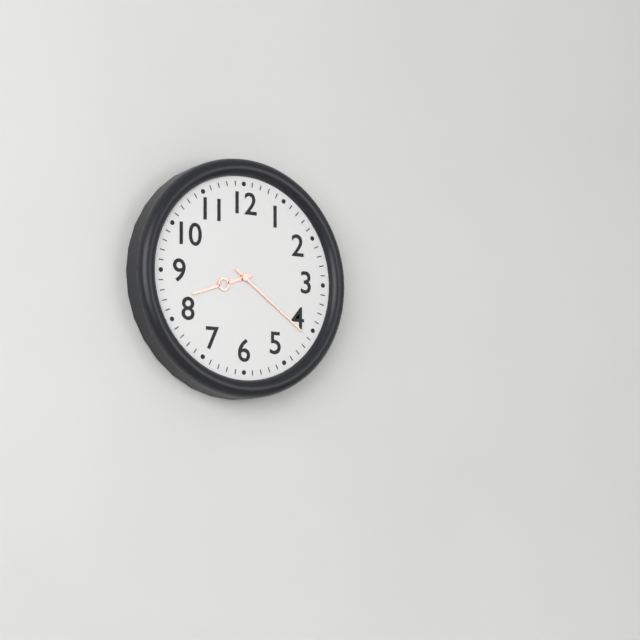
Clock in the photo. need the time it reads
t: 8:21
